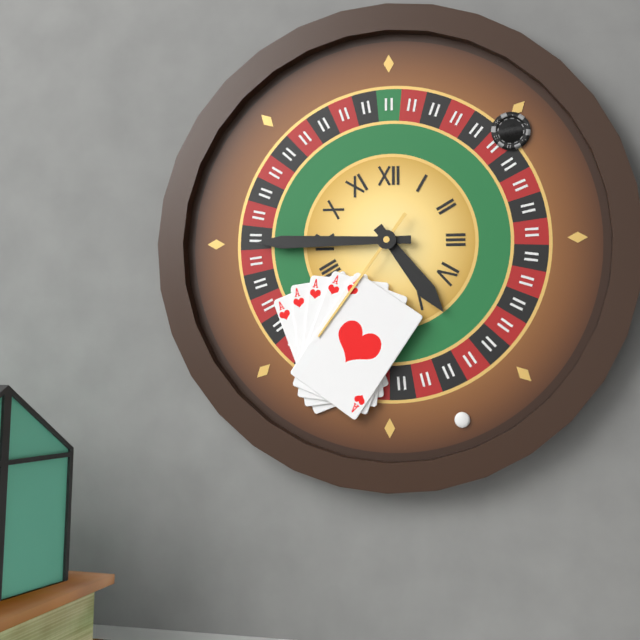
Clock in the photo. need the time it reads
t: 4:45:36
